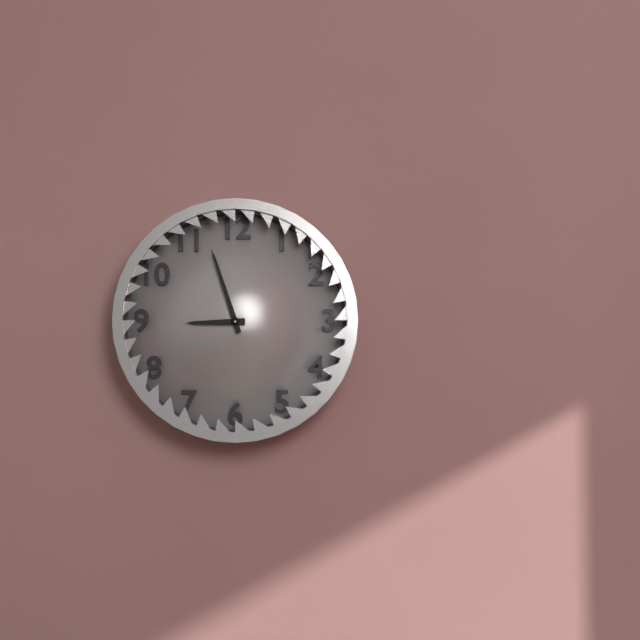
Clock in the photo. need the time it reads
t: 8:57
